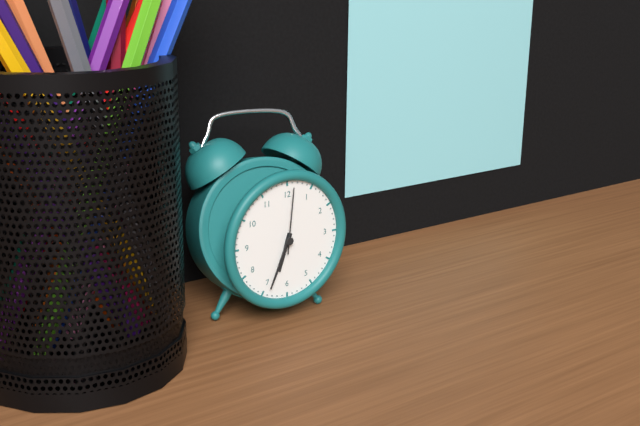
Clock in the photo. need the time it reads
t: 6:34:01
